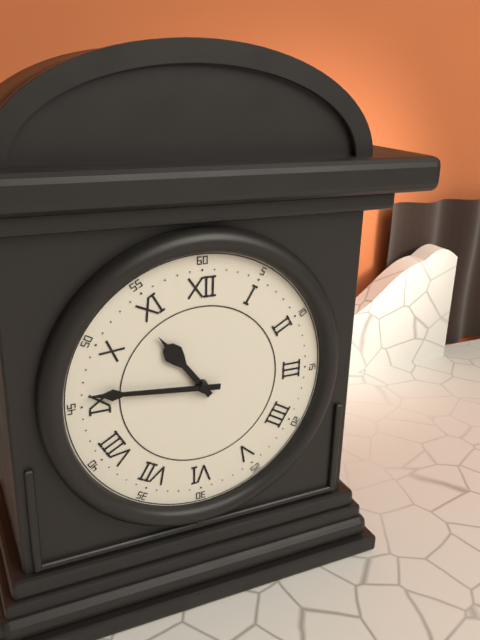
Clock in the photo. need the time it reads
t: 10:46
